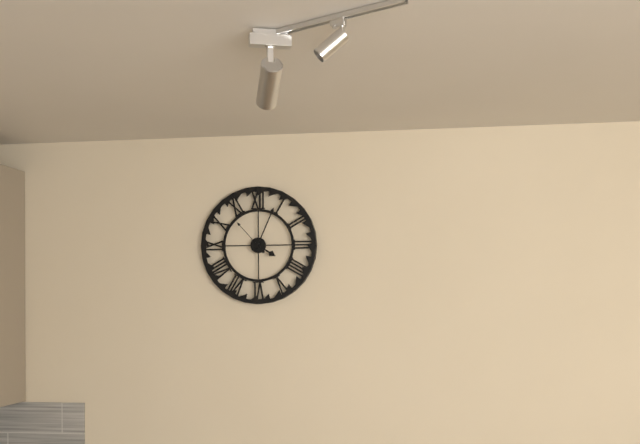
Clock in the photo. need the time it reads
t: 4:04
